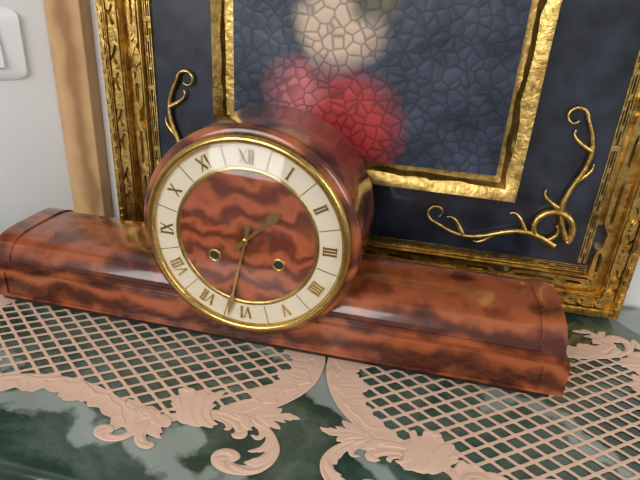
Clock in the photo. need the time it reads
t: 1:32
